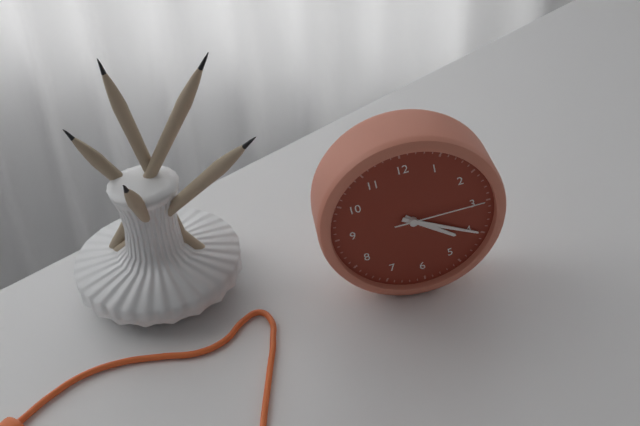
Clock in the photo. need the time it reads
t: 4:20:15
